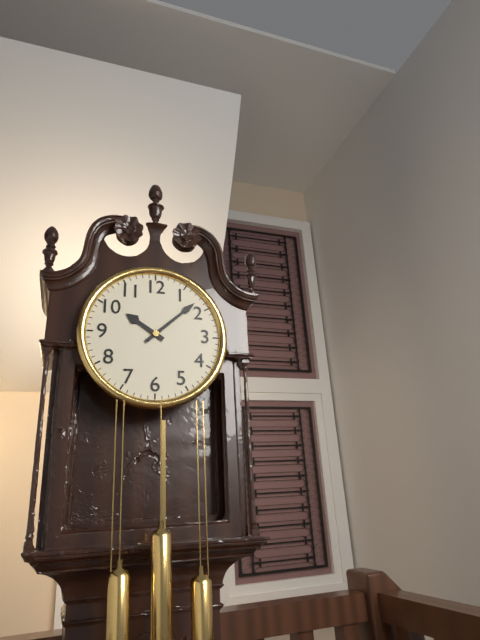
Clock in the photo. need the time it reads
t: 10:08
